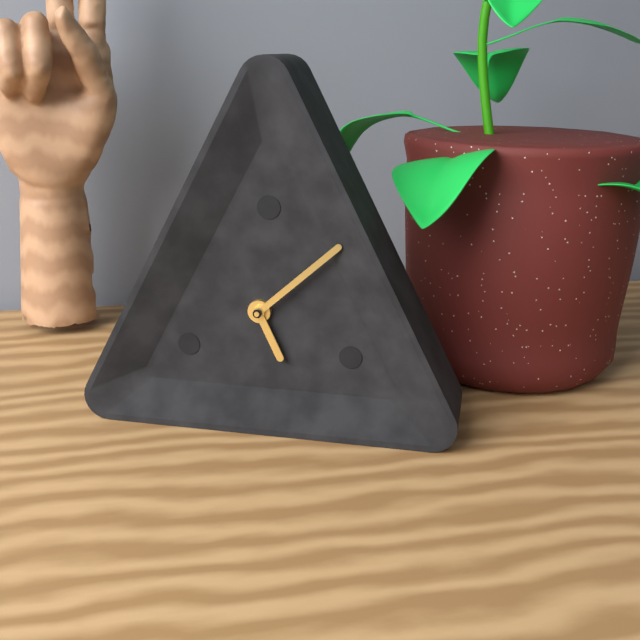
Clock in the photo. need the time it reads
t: 5:08
